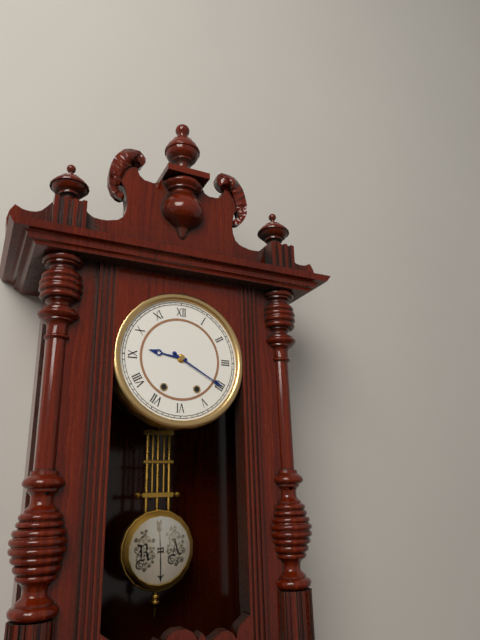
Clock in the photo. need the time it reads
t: 9:20
